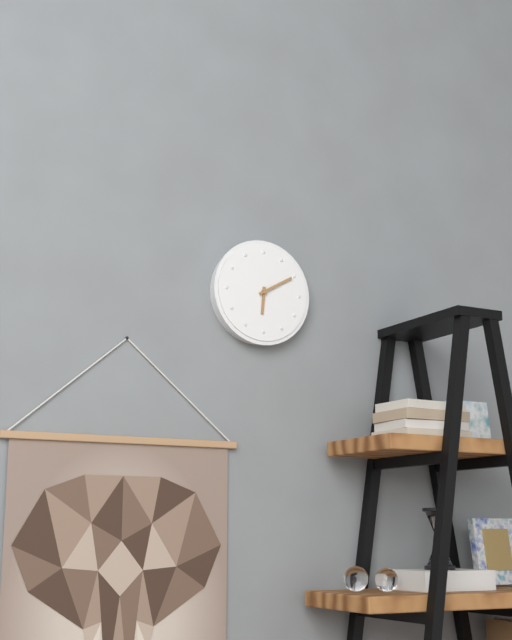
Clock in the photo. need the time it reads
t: 6:10
